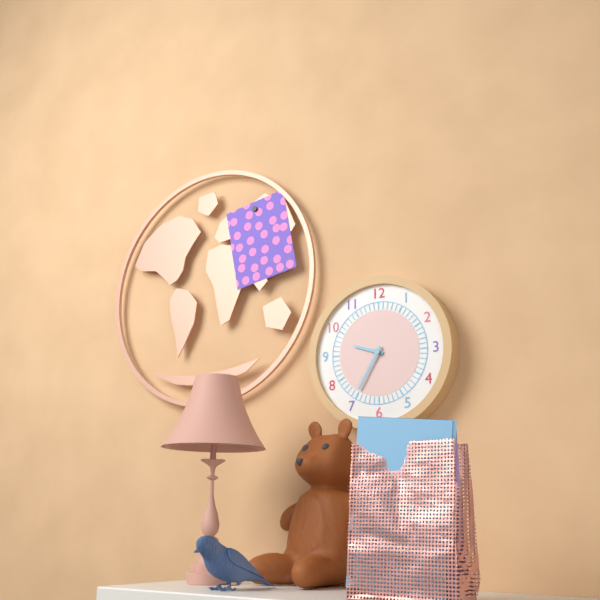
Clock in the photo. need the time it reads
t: 9:35
